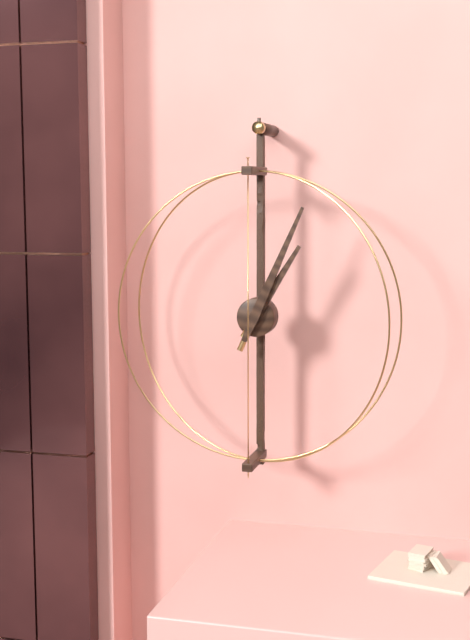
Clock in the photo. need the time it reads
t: 1:04
